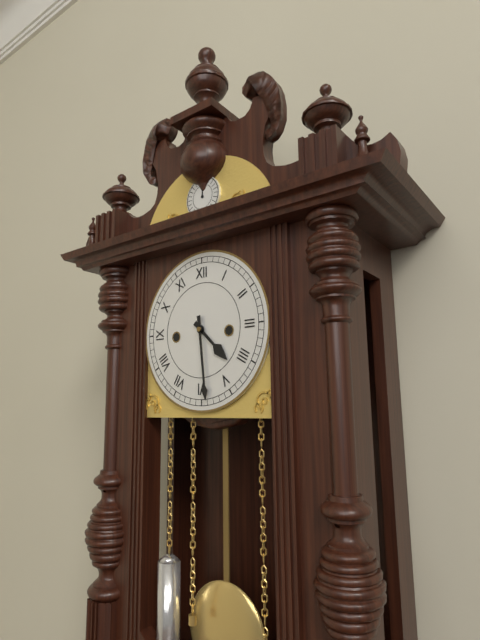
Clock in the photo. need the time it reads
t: 4:29
